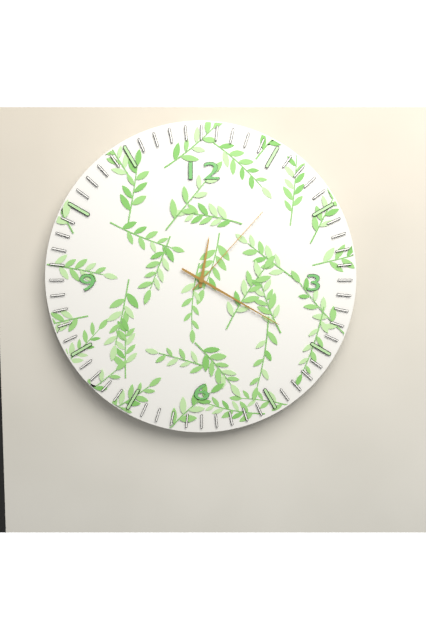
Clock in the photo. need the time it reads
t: 12:20:07
